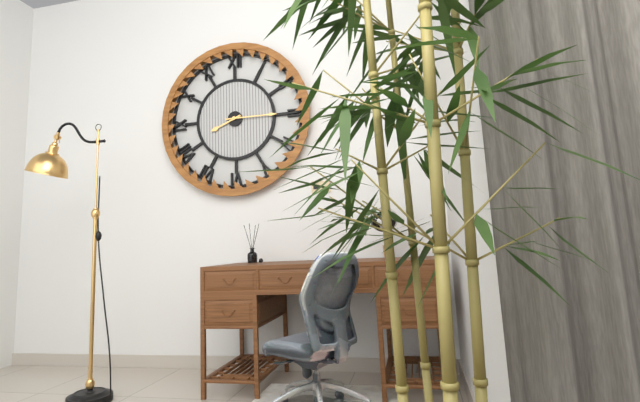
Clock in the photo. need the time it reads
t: 8:15
